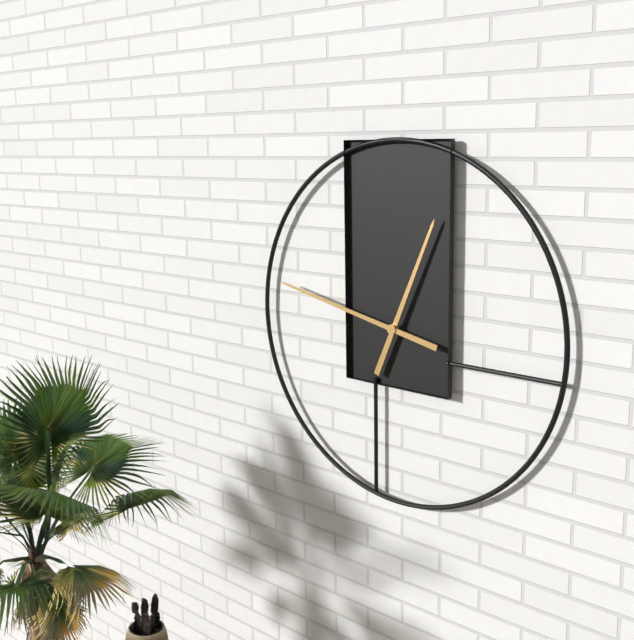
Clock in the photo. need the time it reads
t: 12:47
